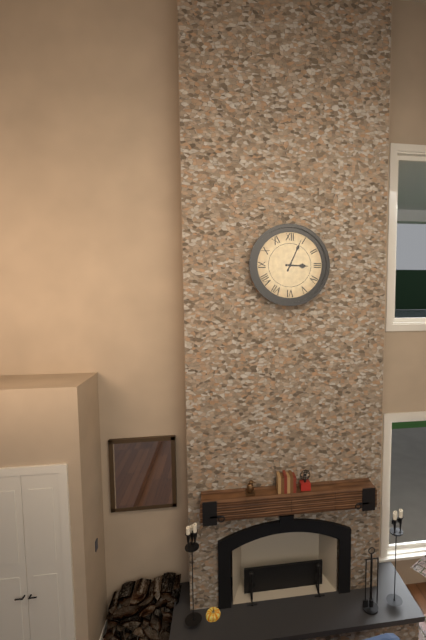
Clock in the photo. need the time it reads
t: 3:04
